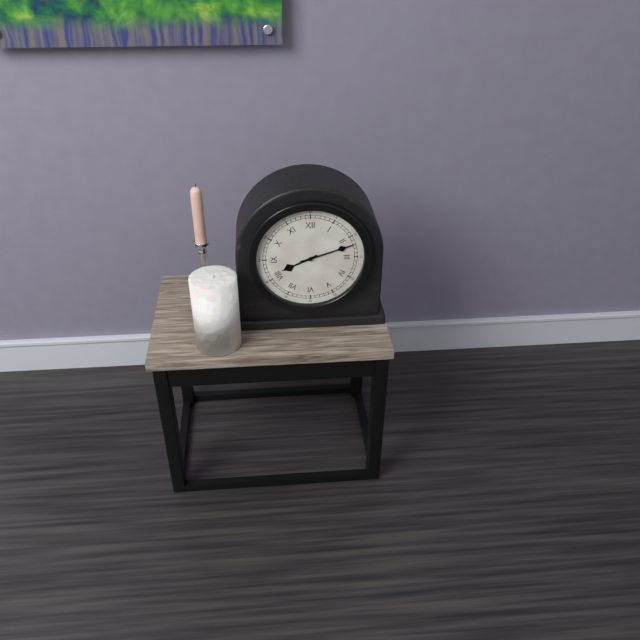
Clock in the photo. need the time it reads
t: 8:12
